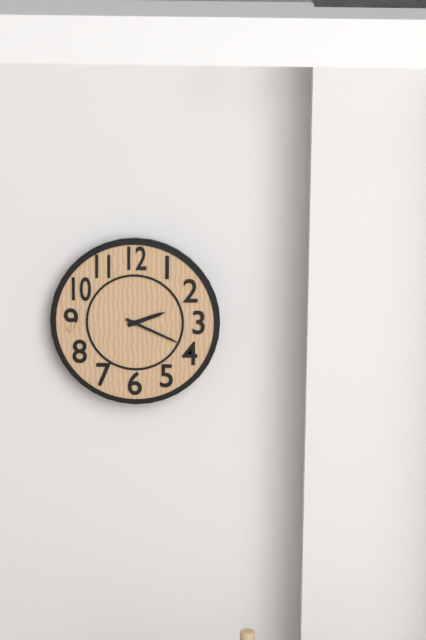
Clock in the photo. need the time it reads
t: 2:19
